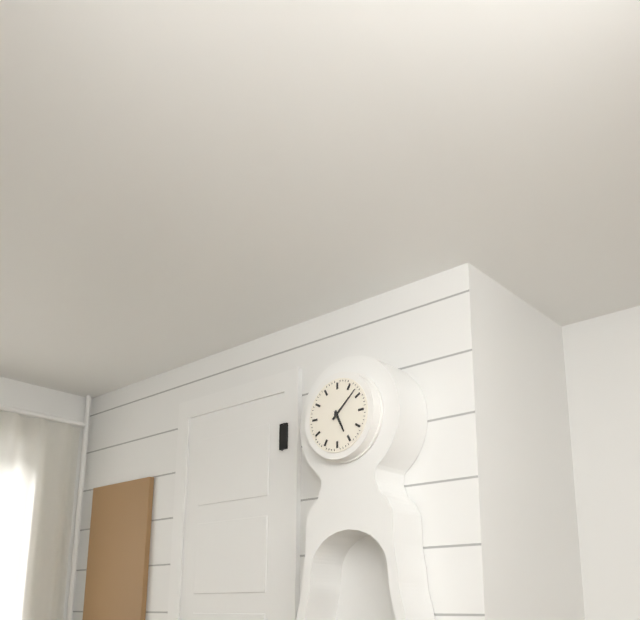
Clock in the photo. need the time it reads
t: 5:08
